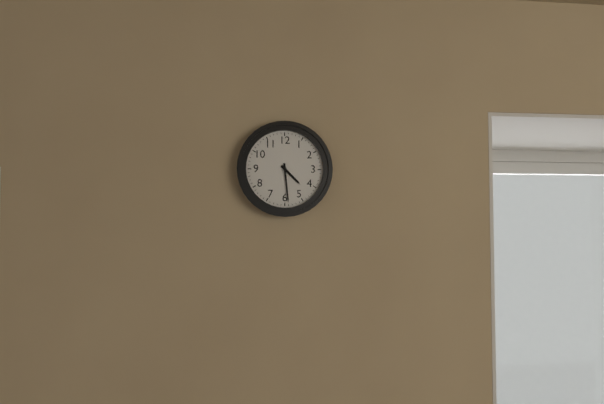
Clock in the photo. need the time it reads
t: 4:29
